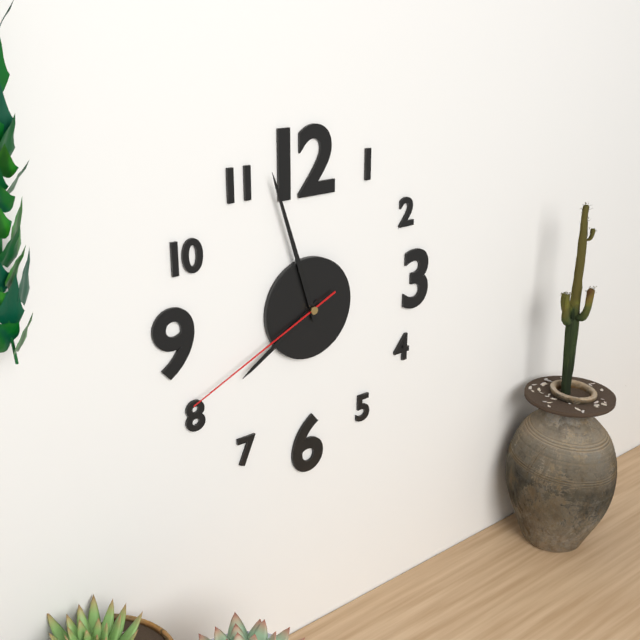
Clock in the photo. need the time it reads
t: 7:57:41
